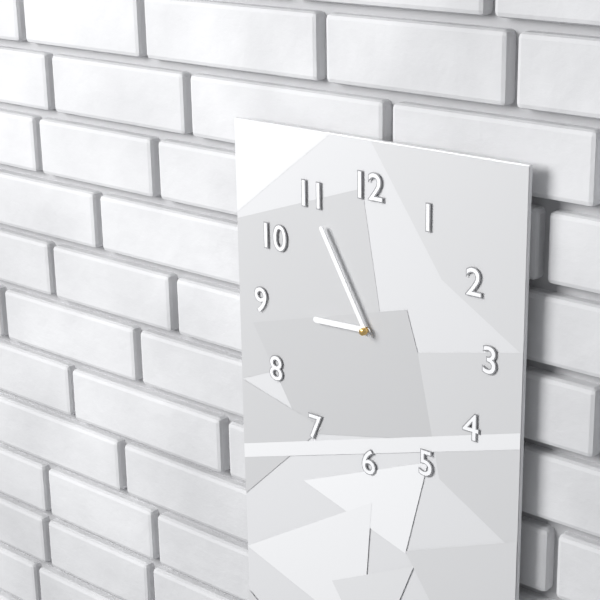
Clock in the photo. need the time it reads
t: 8:55
